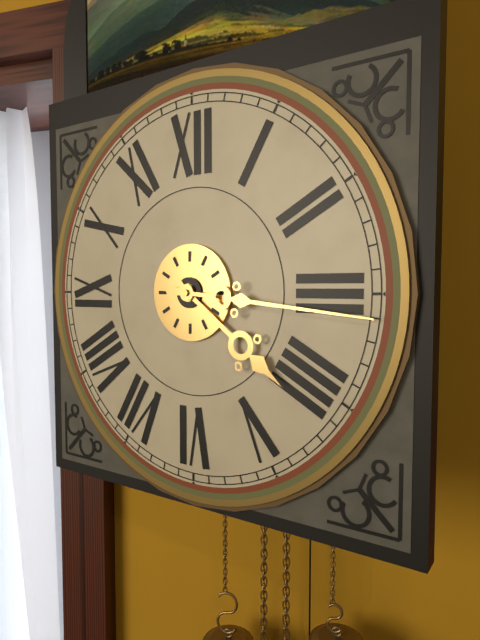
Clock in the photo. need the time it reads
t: 4:16
